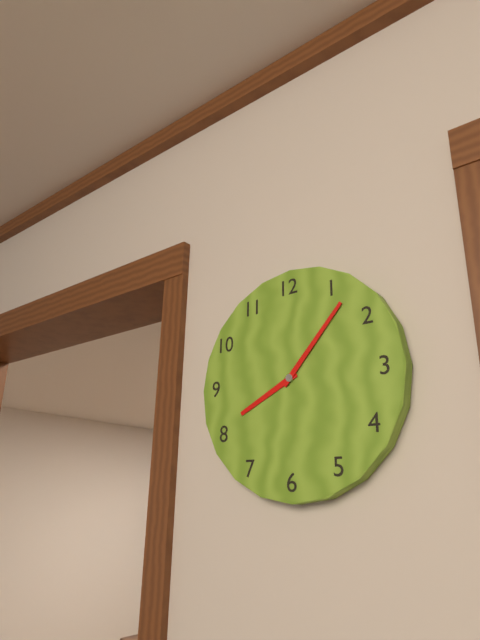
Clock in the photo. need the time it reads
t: 8:07
